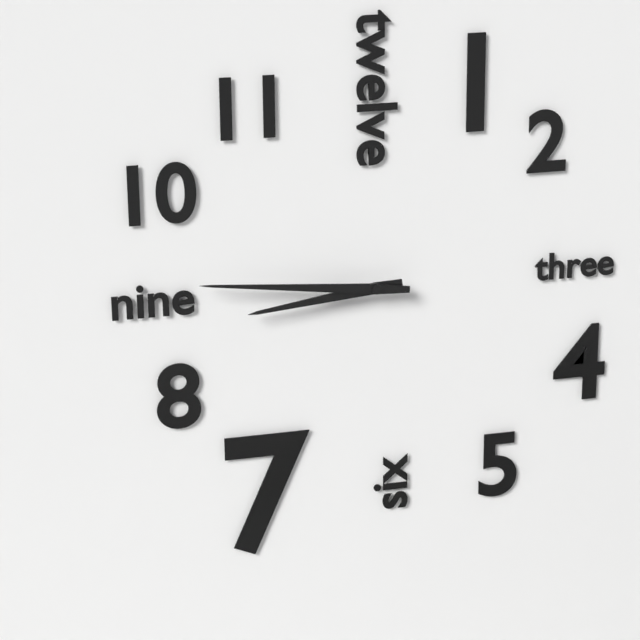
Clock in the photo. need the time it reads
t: 8:46
